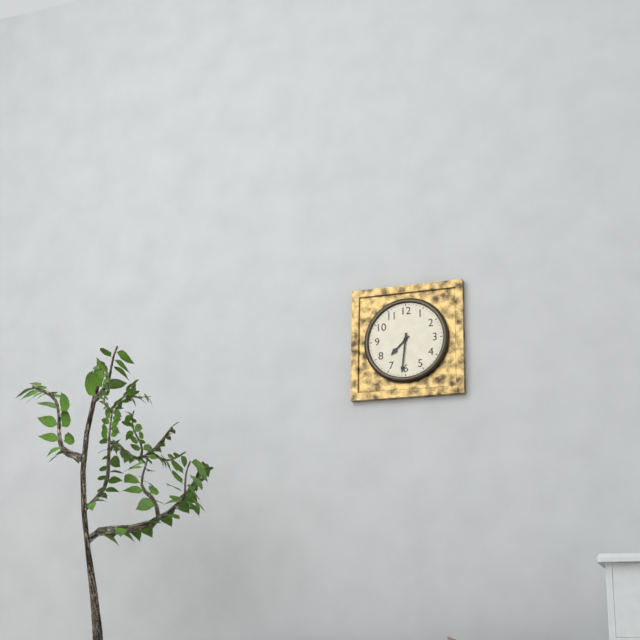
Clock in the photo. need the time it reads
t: 7:31
